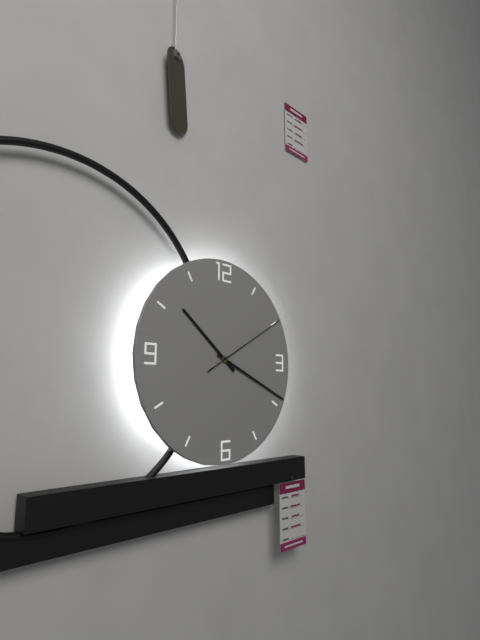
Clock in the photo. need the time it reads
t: 10:19:10
